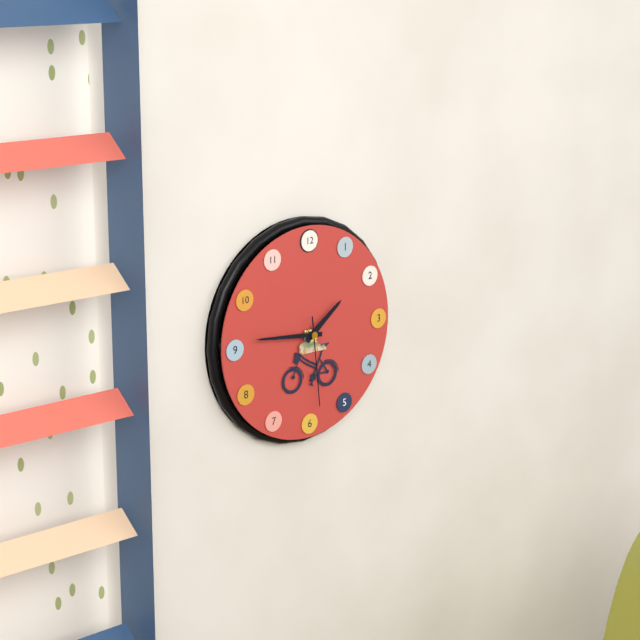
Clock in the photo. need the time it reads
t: 1:46:29
